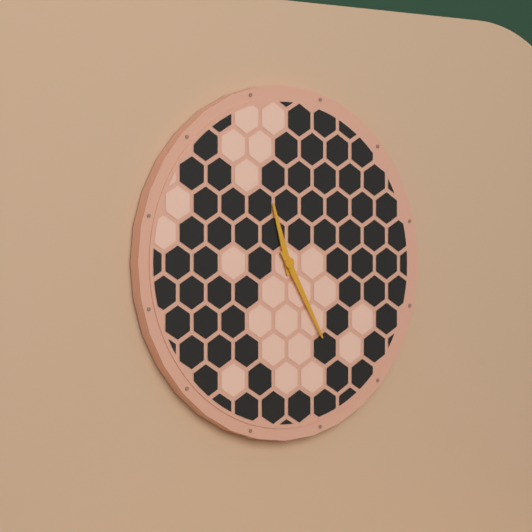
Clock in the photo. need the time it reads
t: 11:25
